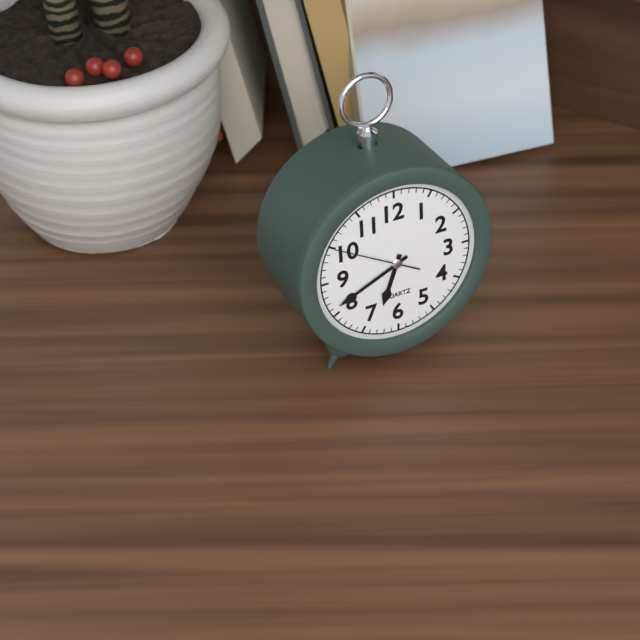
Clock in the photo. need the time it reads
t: 6:41:50
